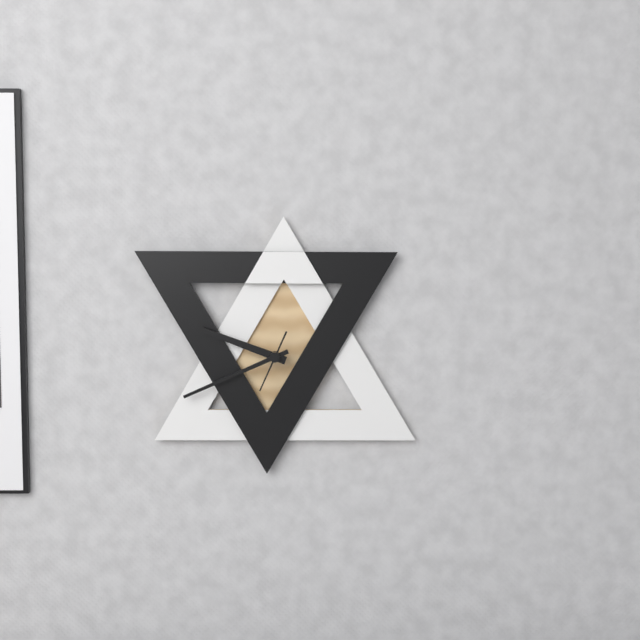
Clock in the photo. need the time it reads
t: 9:41:34
